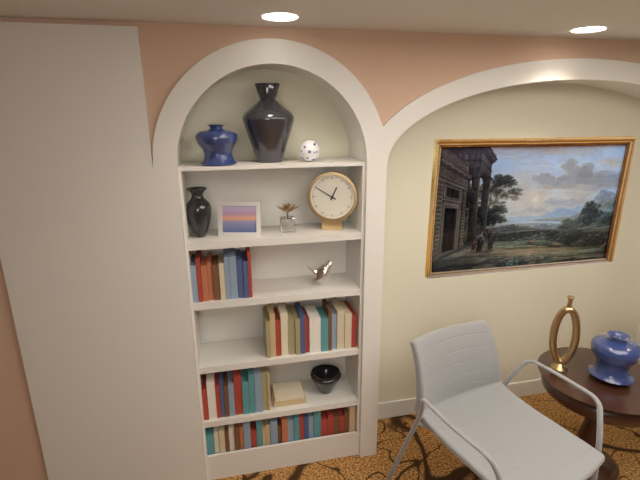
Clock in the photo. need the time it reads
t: 12:50
